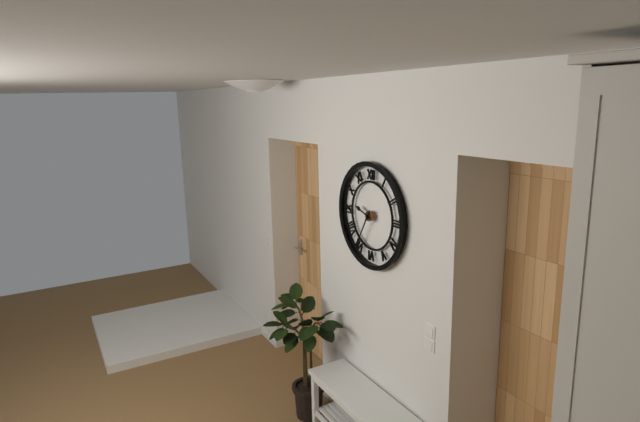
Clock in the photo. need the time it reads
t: 9:35
